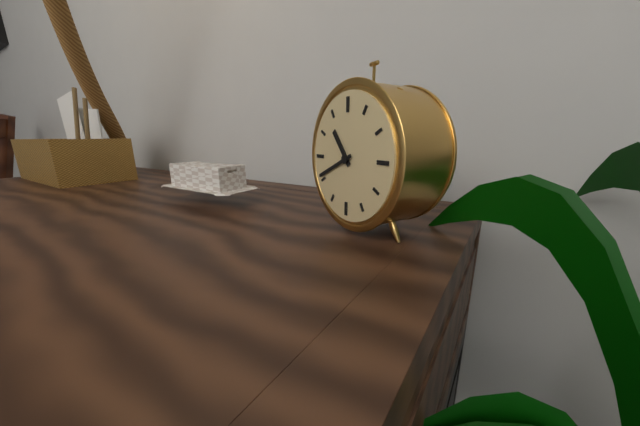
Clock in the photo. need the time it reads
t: 10:41
